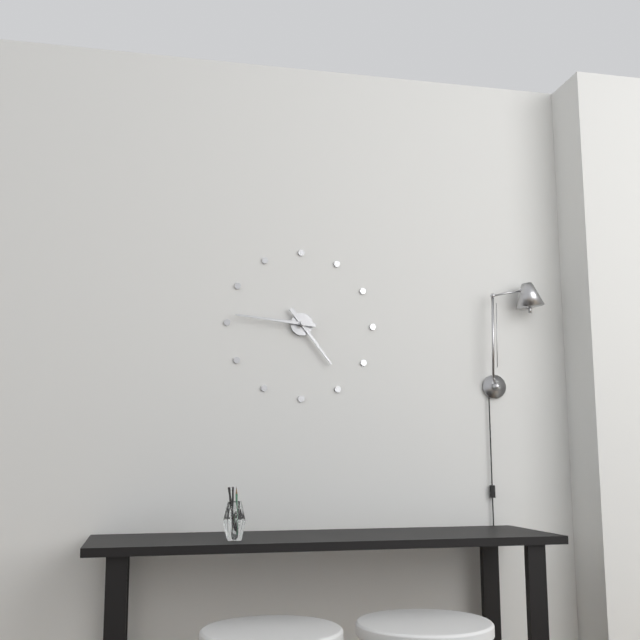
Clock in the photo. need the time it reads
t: 4:46
